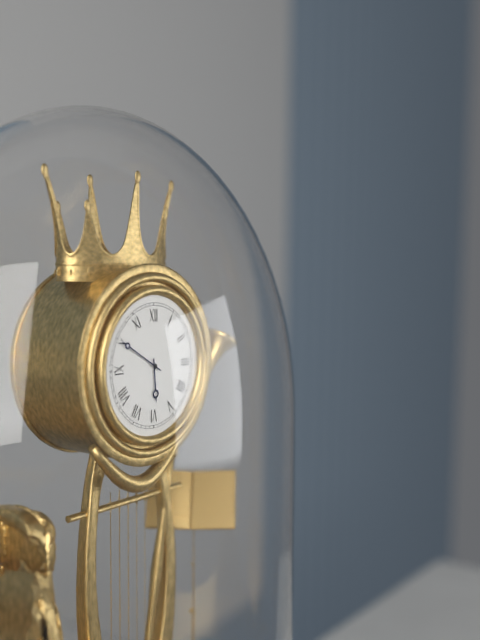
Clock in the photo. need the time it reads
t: 5:50
